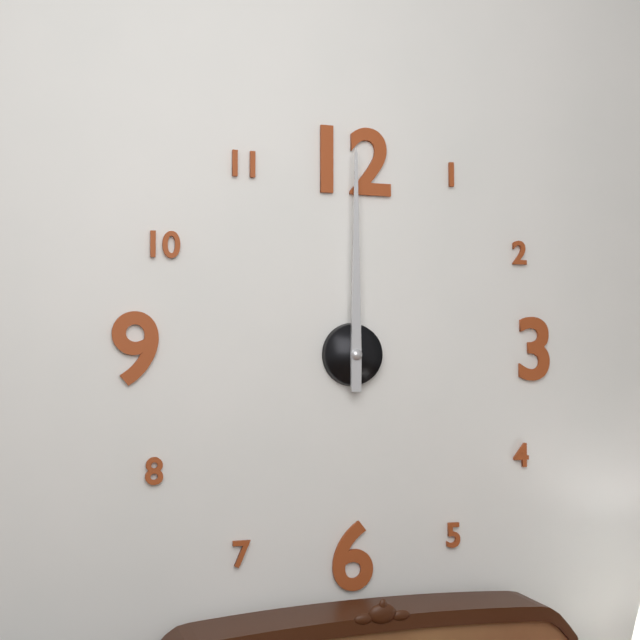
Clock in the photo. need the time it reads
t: 12:00
